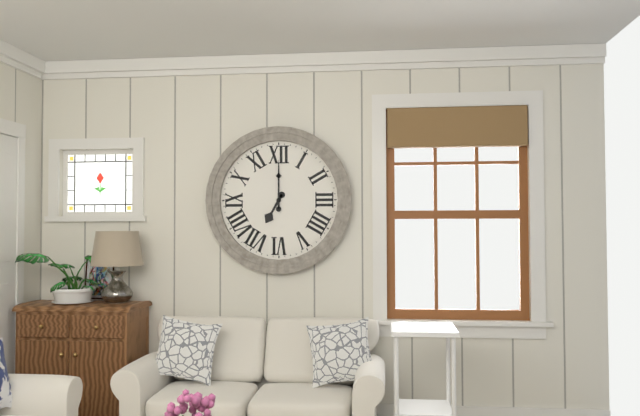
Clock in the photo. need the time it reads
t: 7:00
